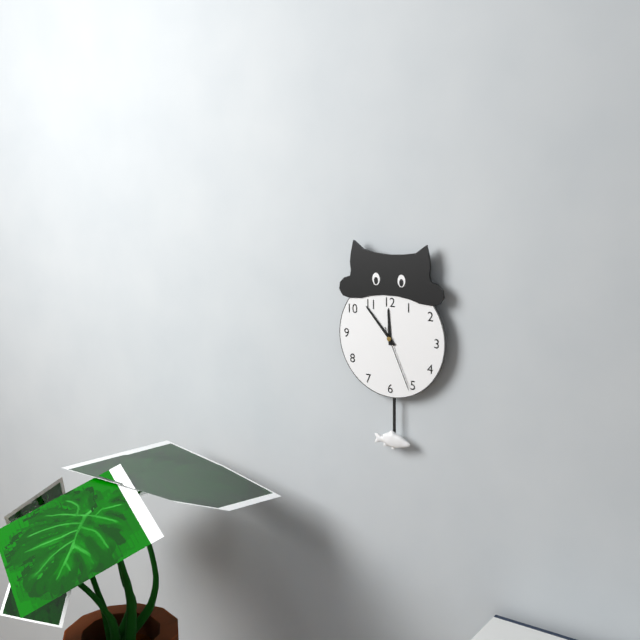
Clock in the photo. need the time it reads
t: 11:53:26
